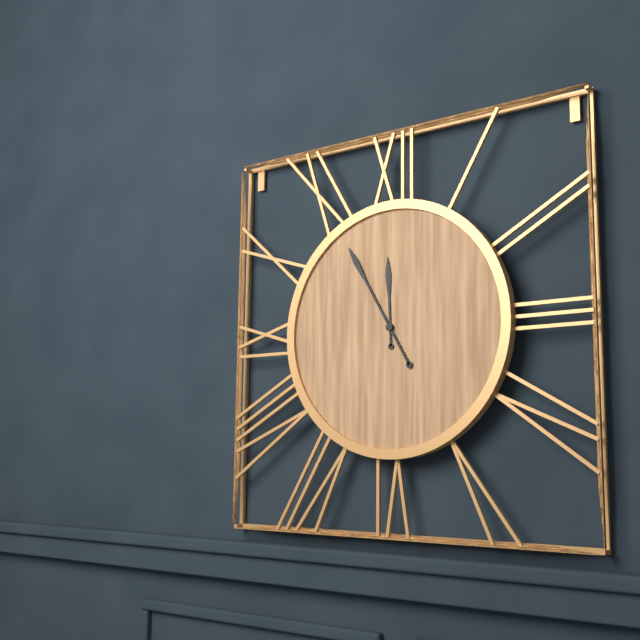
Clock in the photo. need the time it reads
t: 11:55
